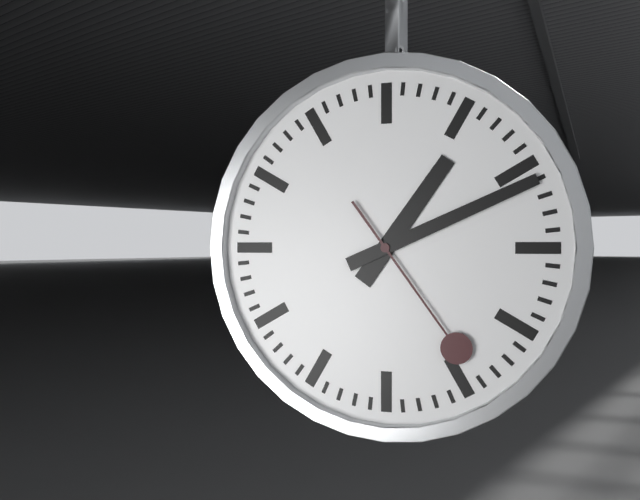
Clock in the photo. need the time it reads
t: 1:11:24
